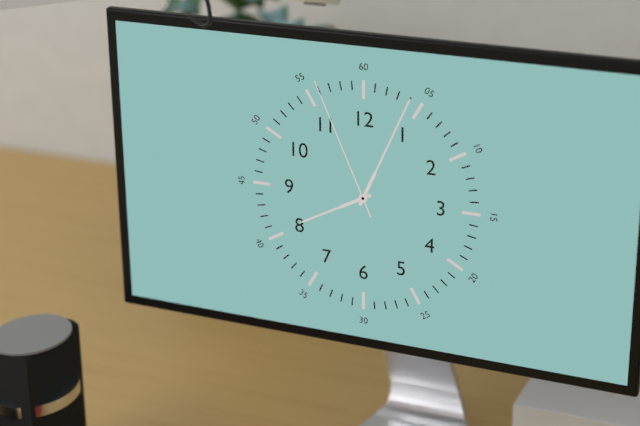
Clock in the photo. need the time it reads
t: 8:04:56
